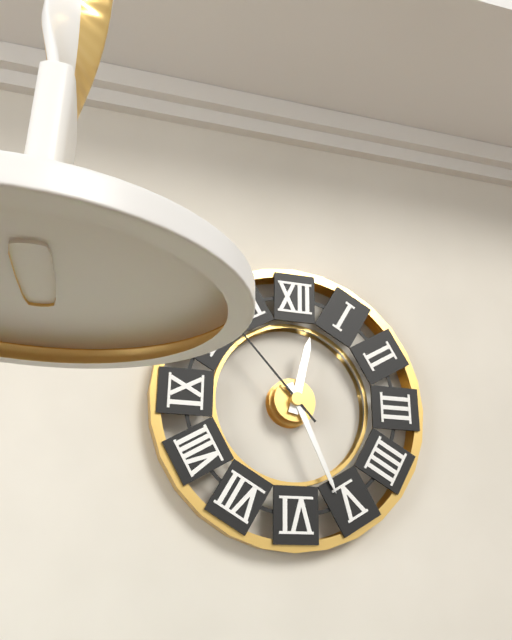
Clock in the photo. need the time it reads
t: 12:26
